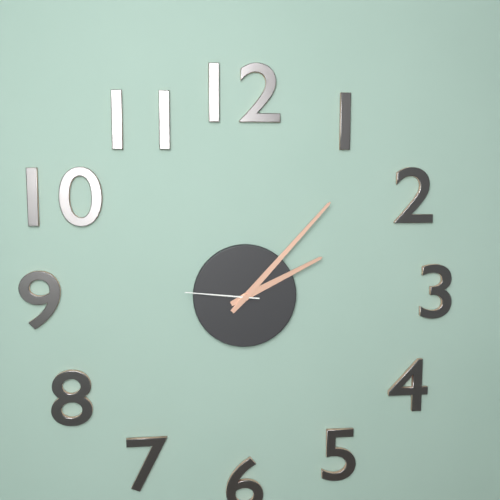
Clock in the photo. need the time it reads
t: 2:07:46
